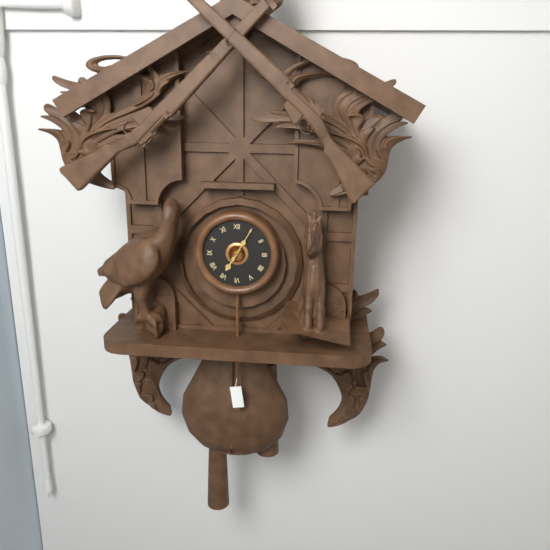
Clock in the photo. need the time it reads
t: 7:05
